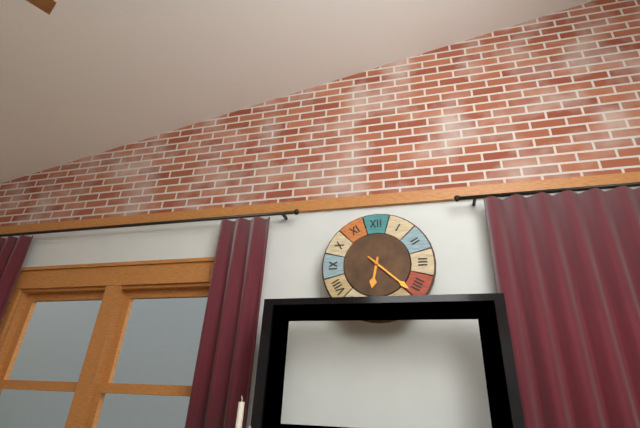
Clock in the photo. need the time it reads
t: 6:22
